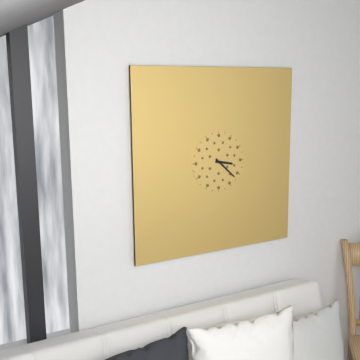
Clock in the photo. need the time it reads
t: 3:22
